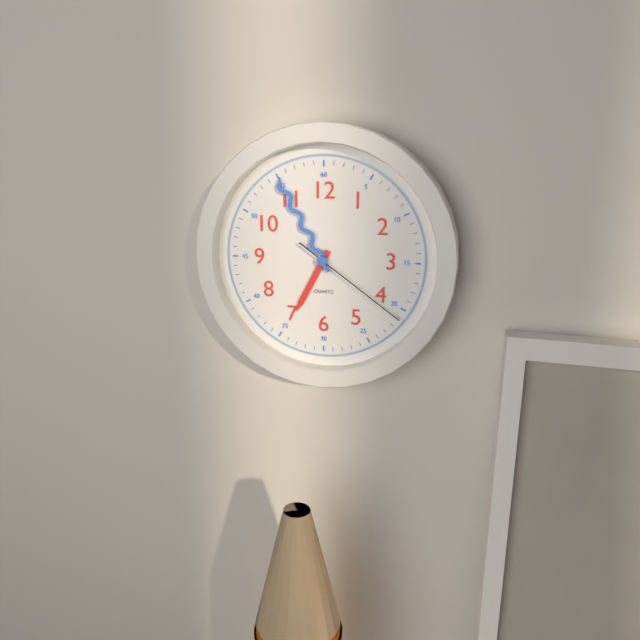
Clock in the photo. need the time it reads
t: 6:55:21
